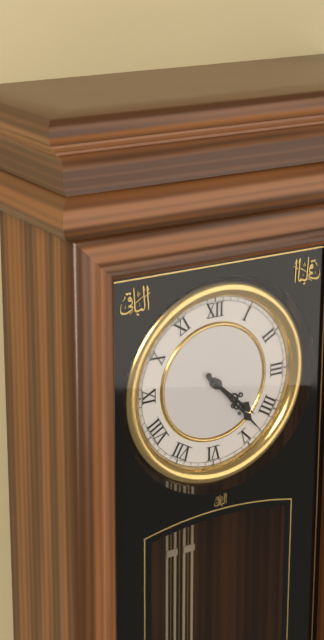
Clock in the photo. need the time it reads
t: 4:23
